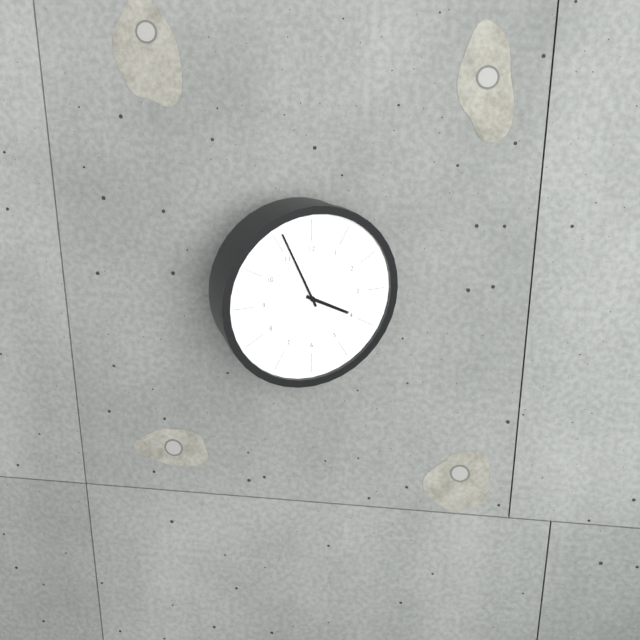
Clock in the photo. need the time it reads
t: 3:56
